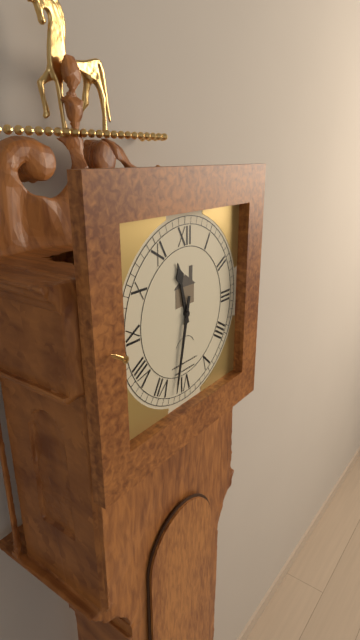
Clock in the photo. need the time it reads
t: 11:32
